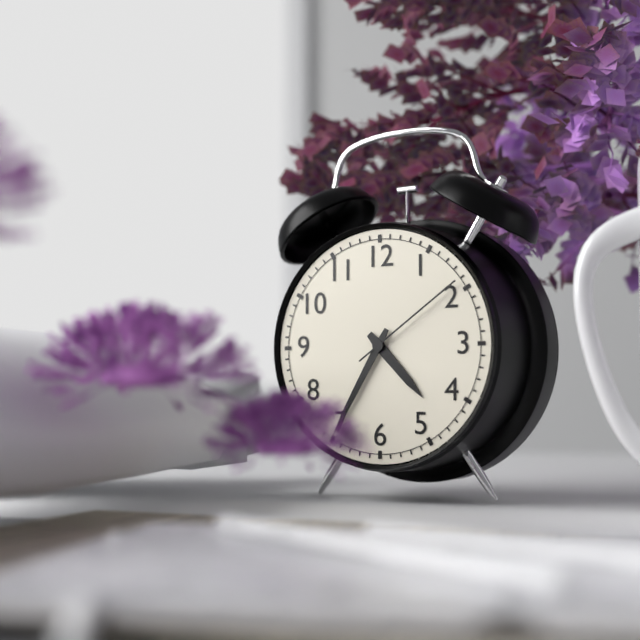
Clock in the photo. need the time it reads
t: 4:35:09
